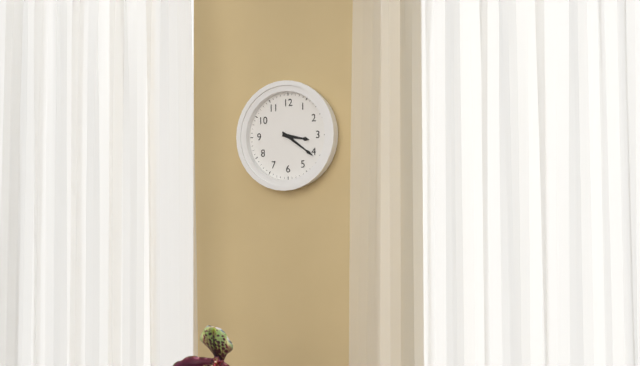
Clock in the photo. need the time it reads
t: 3:21
